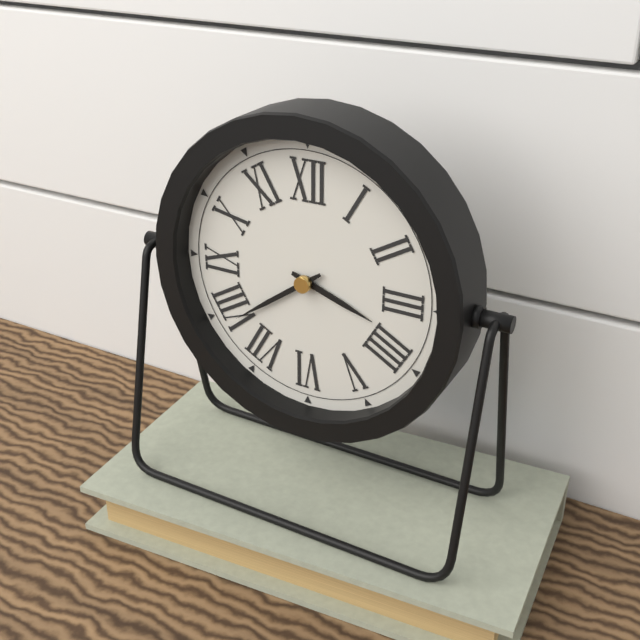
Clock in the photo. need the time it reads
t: 3:39
